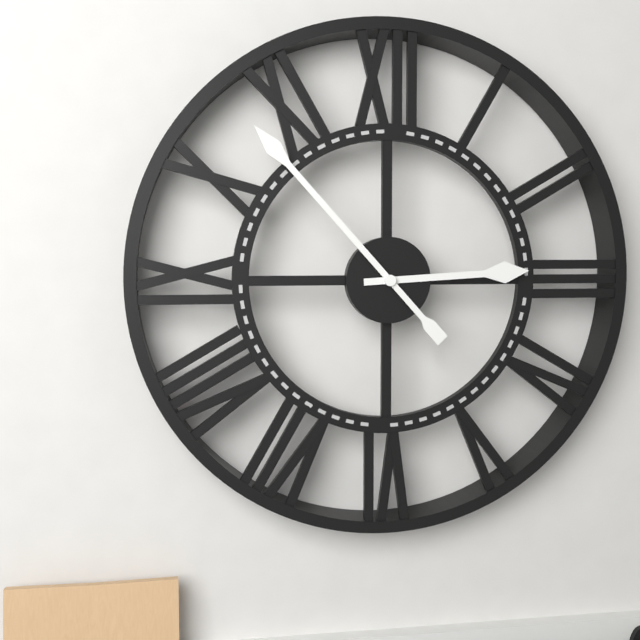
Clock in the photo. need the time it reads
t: 2:53
